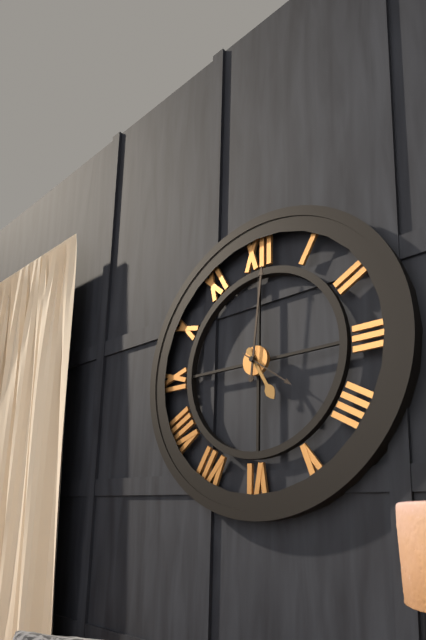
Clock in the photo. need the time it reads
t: 5:01:21
